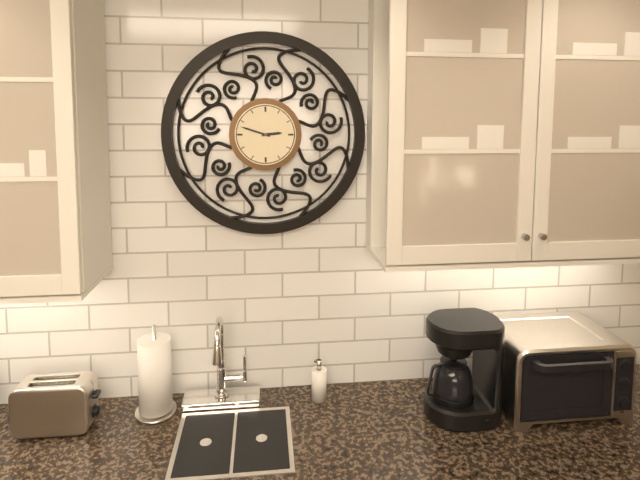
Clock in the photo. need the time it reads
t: 2:48
